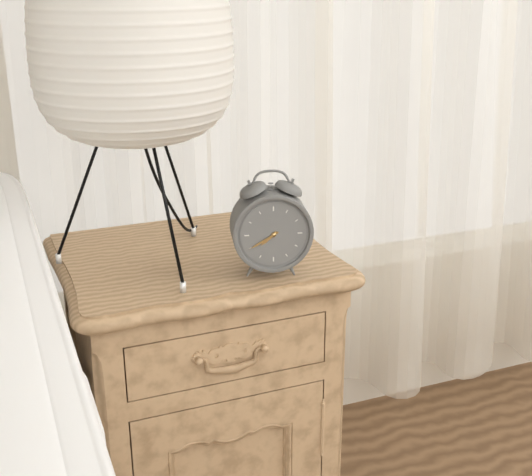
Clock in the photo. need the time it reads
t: 7:40
